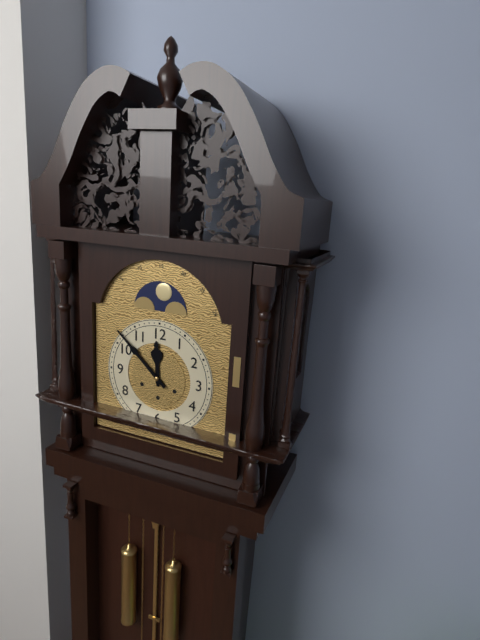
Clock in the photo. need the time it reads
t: 11:52
